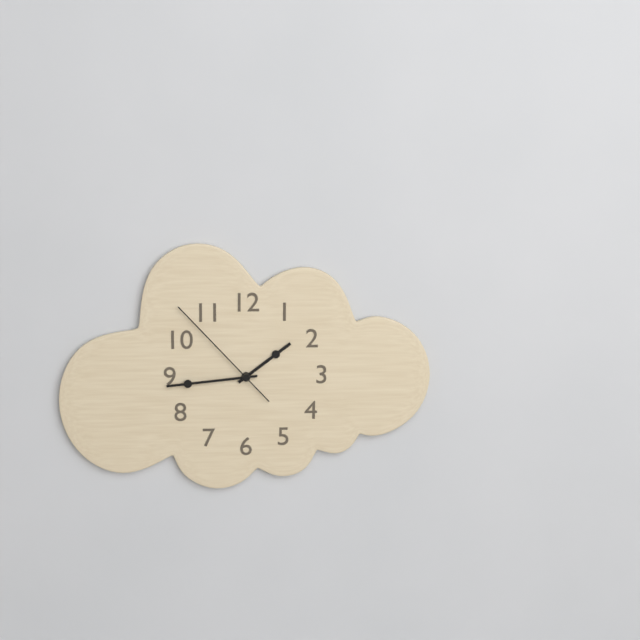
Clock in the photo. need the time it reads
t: 1:44:53
